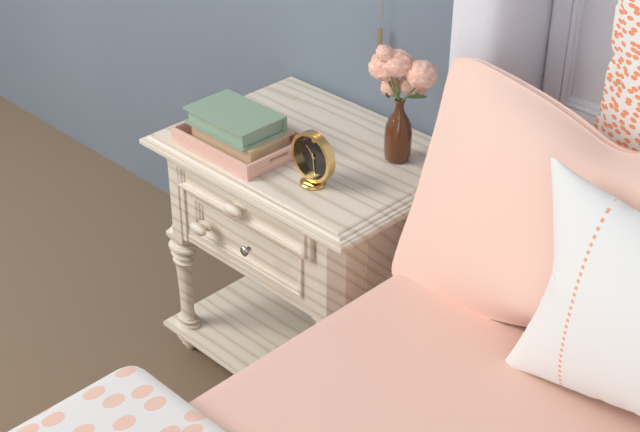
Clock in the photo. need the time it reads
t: 10:29
